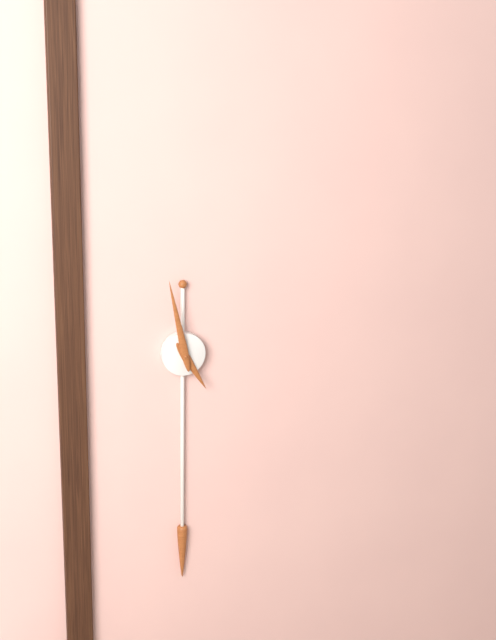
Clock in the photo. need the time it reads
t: 4:58
